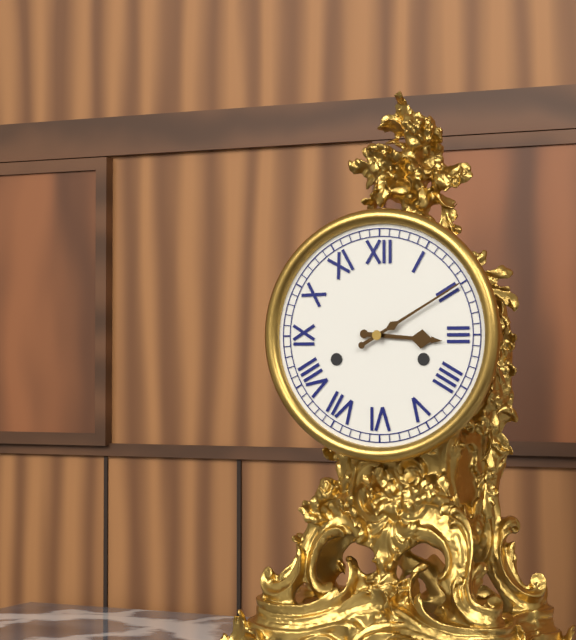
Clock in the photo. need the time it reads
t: 3:10
